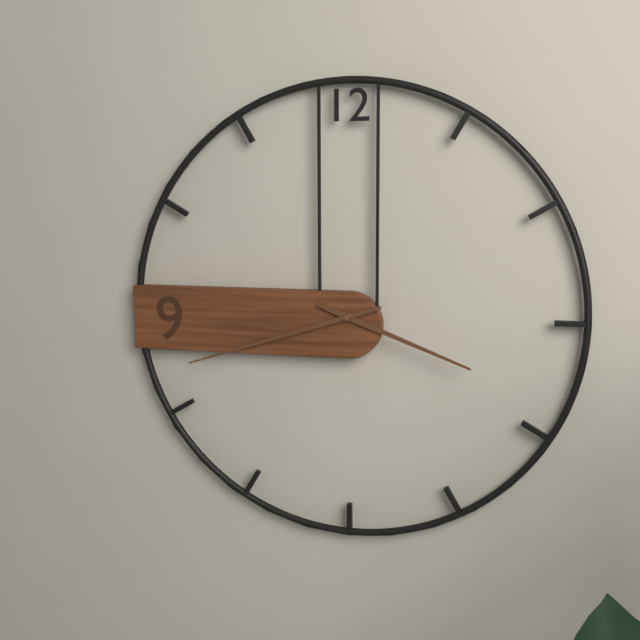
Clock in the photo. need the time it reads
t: 3:42
